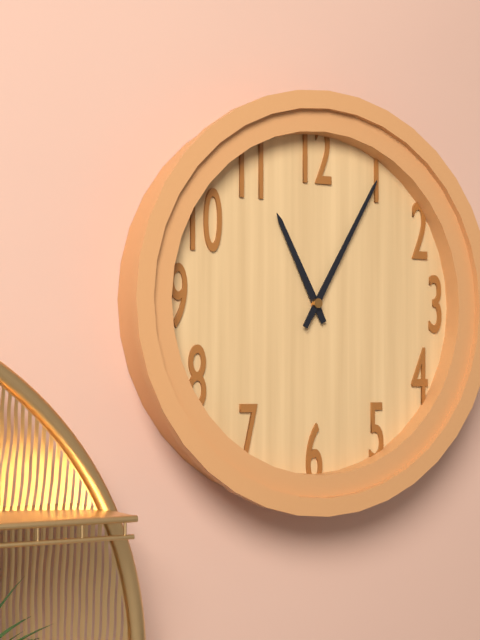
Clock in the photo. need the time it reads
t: 11:05
